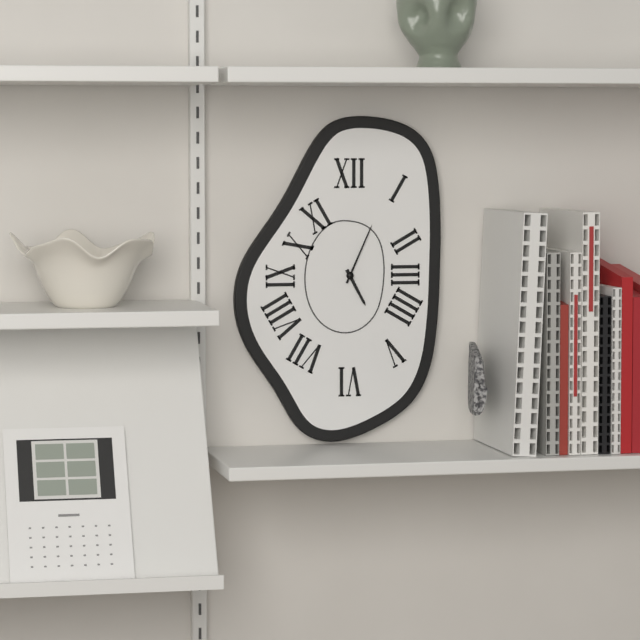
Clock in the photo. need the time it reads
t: 5:04
